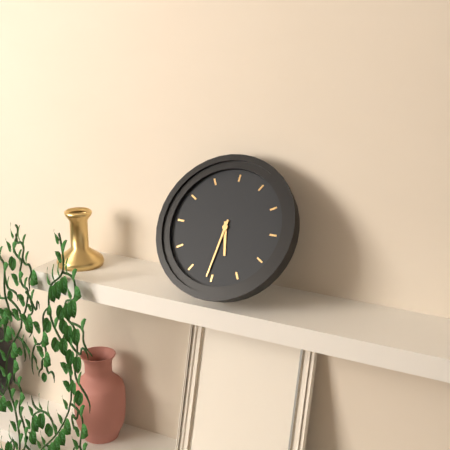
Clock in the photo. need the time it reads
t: 5:31
